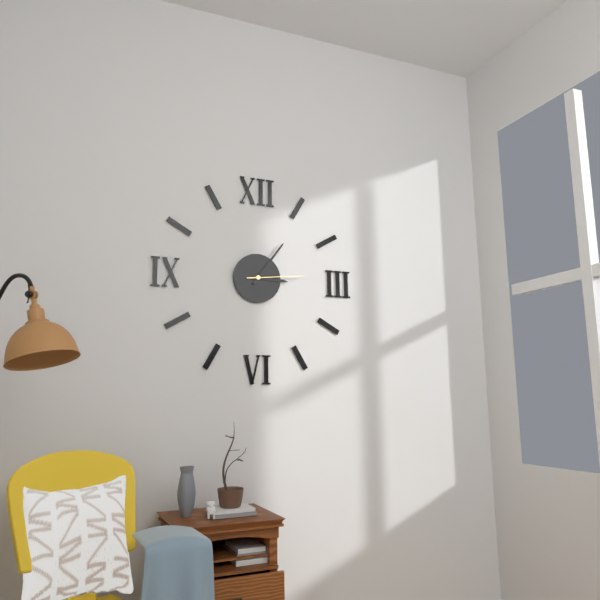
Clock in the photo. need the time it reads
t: 3:06:14
